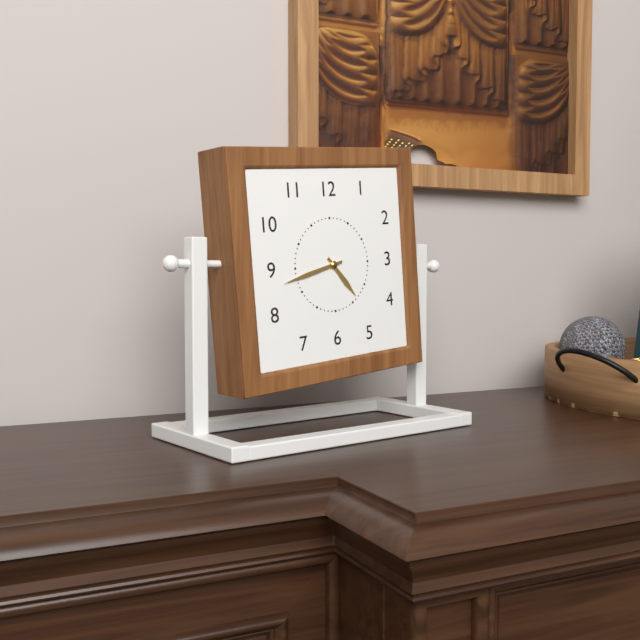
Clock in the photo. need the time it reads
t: 4:43
